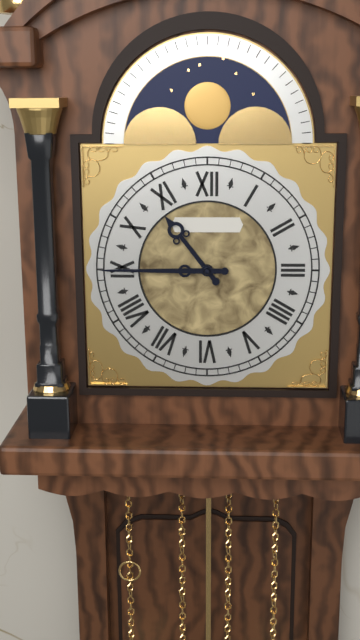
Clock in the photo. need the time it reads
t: 10:45
